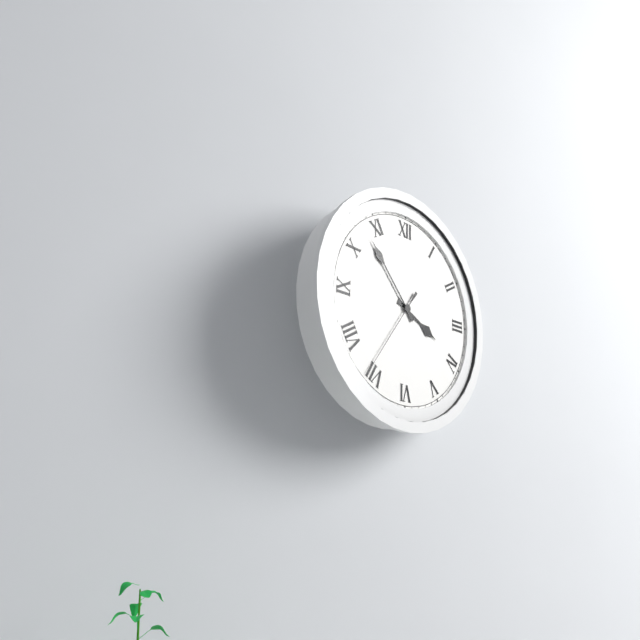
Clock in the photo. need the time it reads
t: 3:53:36
